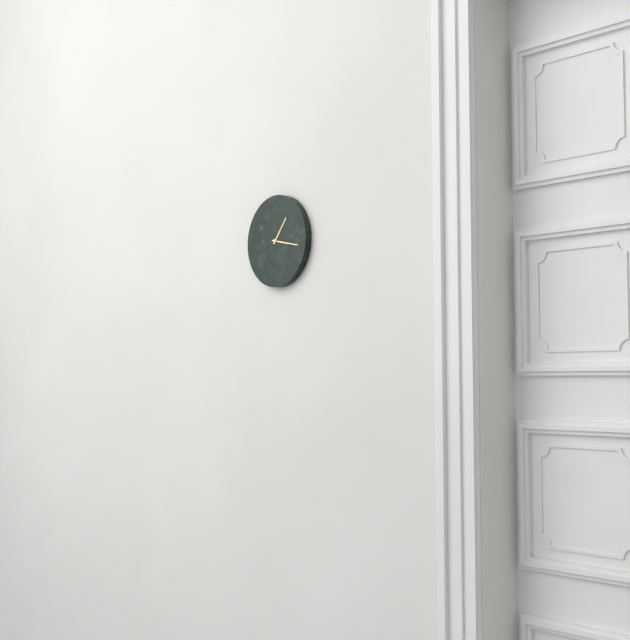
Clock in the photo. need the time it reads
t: 1:17
